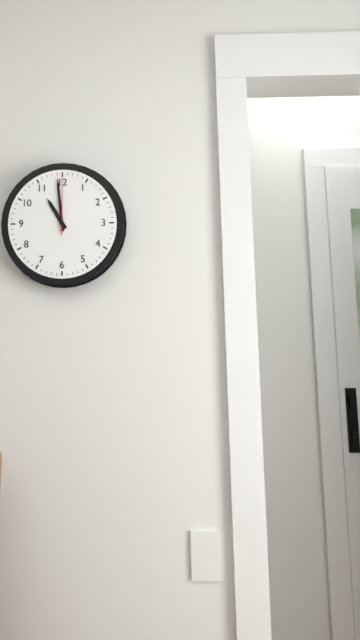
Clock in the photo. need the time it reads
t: 10:59:00
